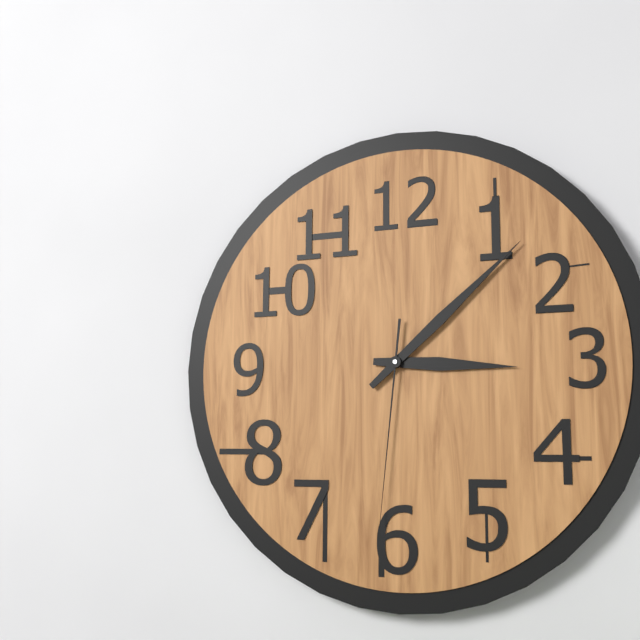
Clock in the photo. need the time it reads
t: 3:08:31
